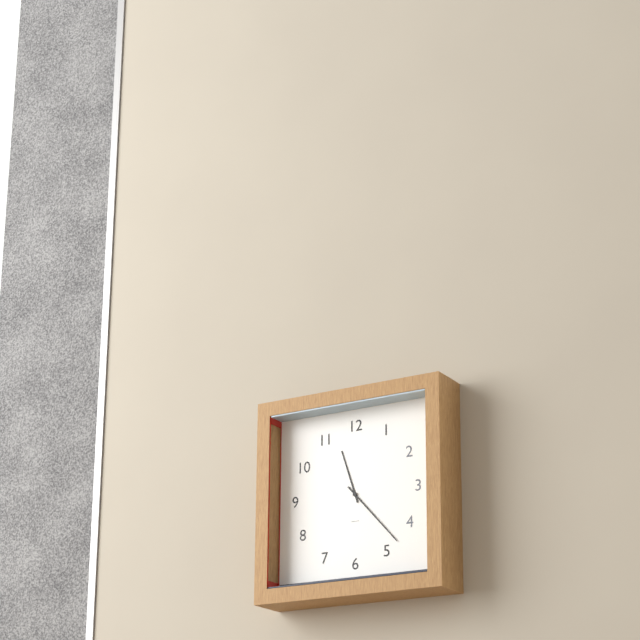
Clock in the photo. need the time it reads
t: 11:23
